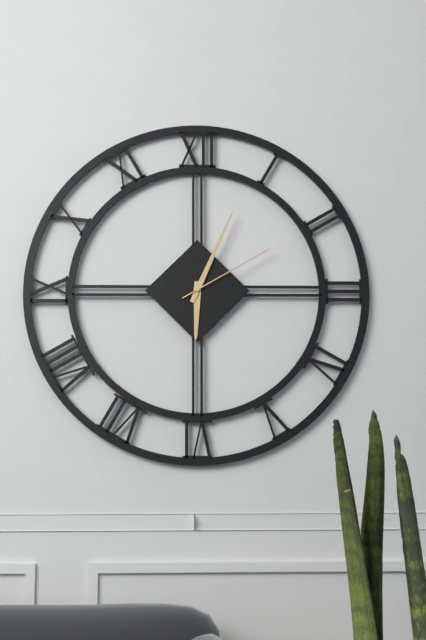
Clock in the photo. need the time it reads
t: 6:04:10
